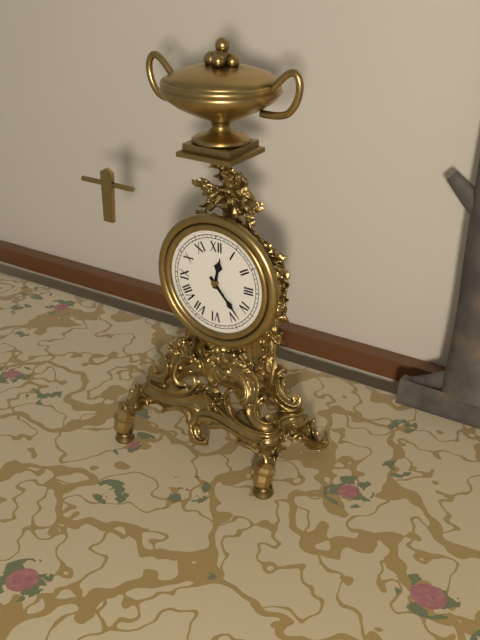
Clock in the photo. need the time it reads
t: 12:23
